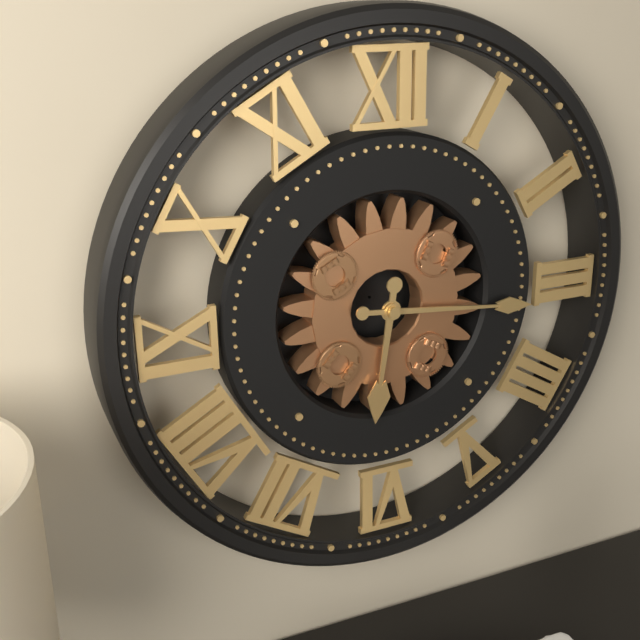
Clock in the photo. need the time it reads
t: 6:16
